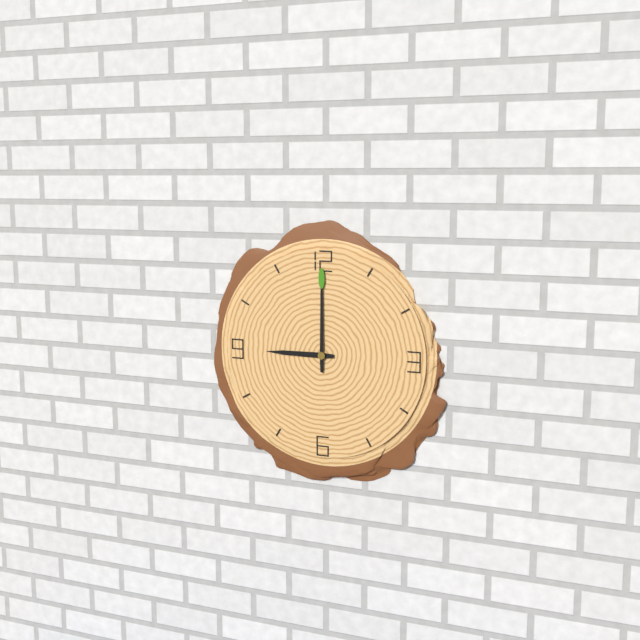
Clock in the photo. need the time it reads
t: 9:00
